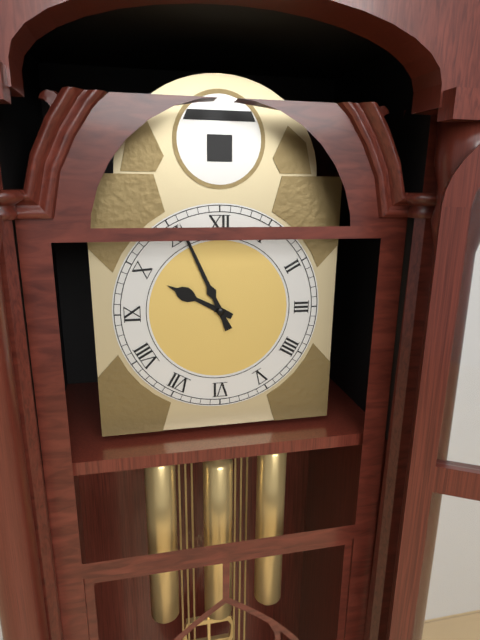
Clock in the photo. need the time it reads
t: 9:56
